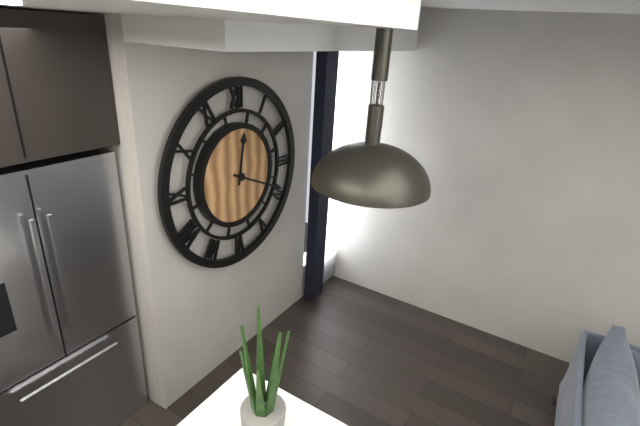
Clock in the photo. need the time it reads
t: 12:19
